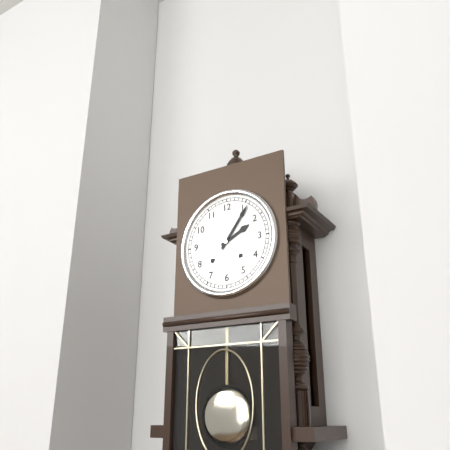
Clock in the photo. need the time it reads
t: 2:06
